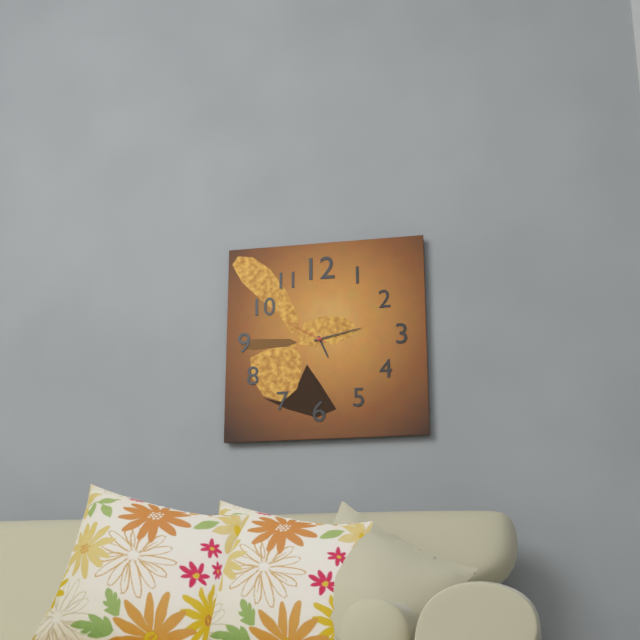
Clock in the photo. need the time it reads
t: 5:13
